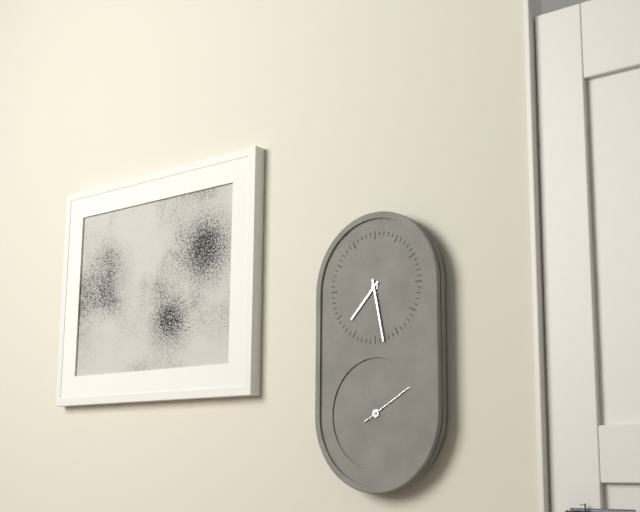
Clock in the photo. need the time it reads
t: 7:28:10
